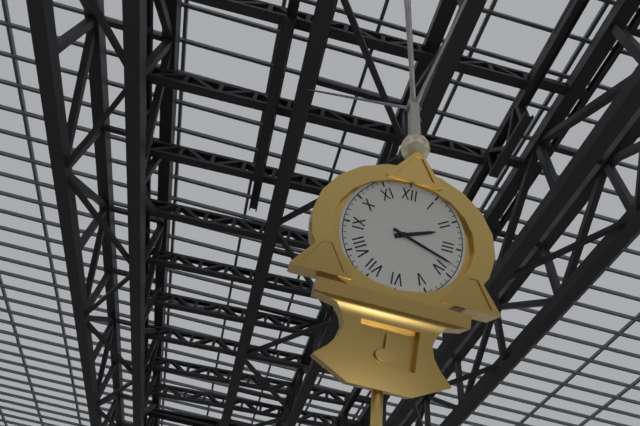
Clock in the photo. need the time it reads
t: 2:18
